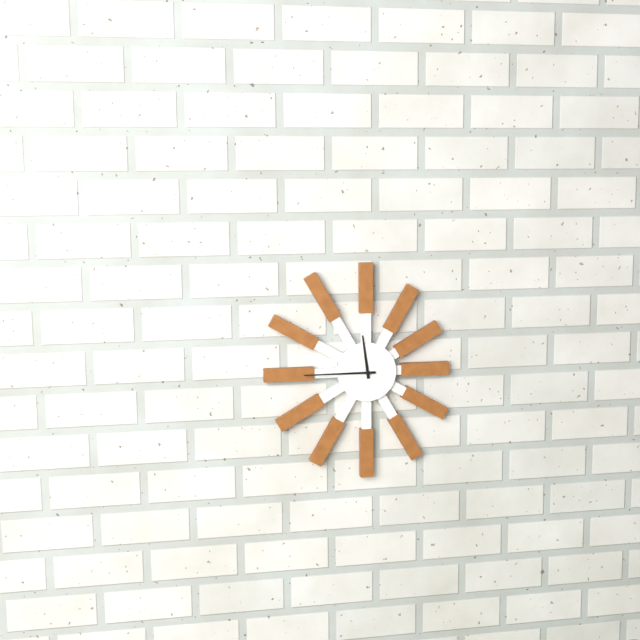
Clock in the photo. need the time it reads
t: 11:45
